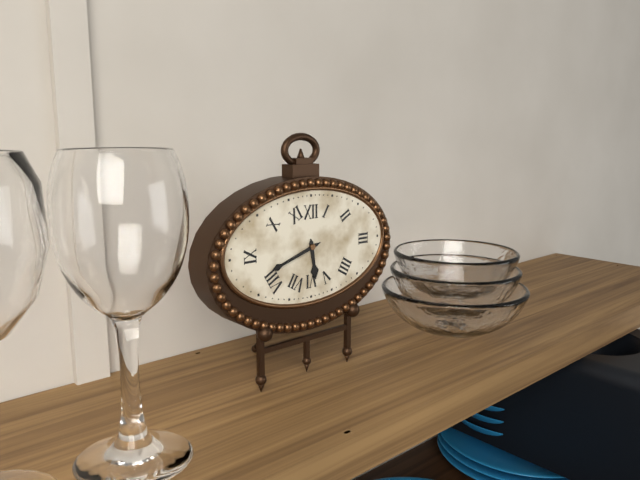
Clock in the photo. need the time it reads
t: 5:42
